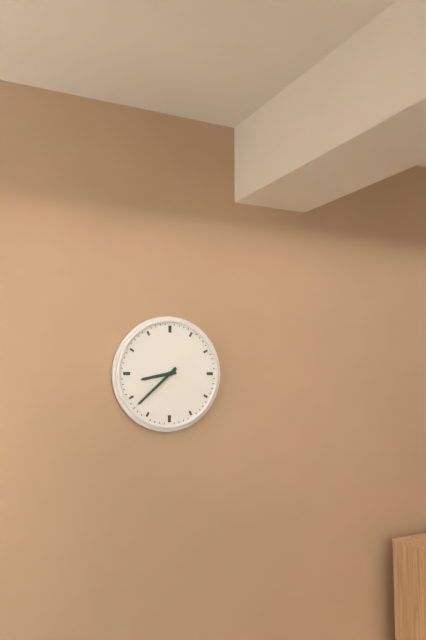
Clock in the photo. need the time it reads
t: 8:38
